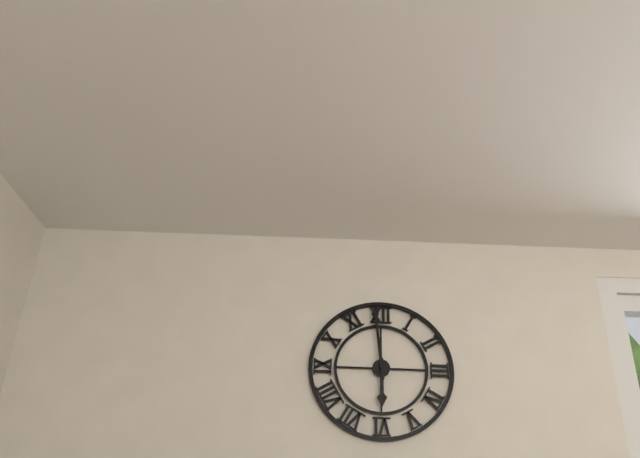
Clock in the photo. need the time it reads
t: 5:59
